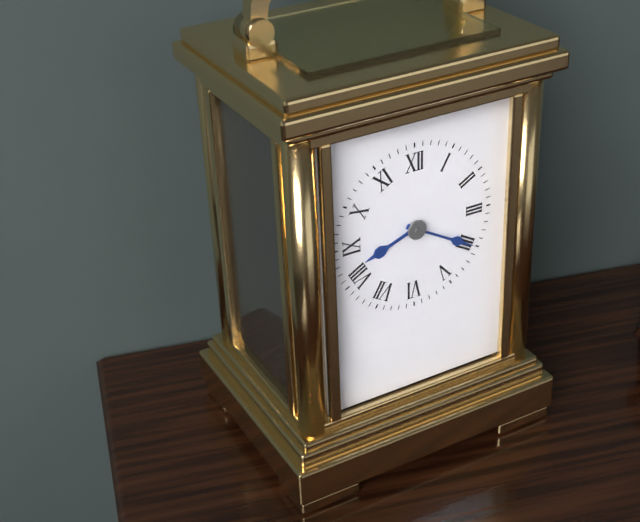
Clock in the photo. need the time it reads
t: 8:20
